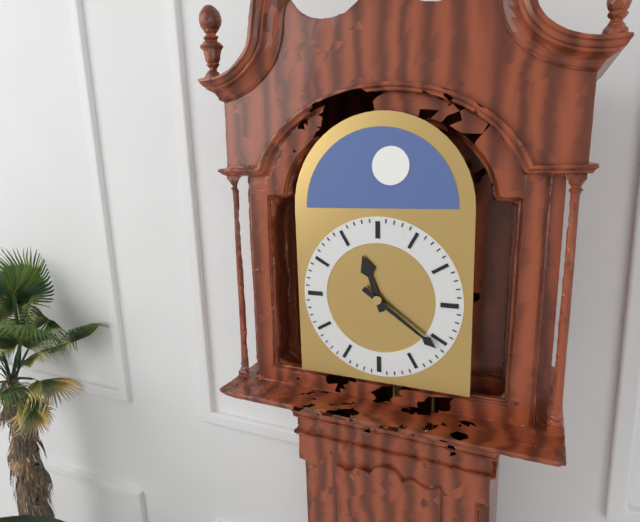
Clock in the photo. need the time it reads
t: 11:21
